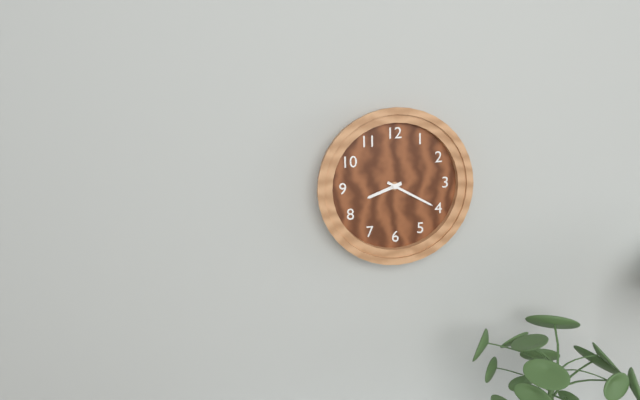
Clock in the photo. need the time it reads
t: 8:20
